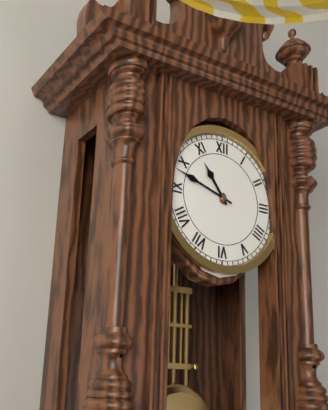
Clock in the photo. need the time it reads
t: 10:48
